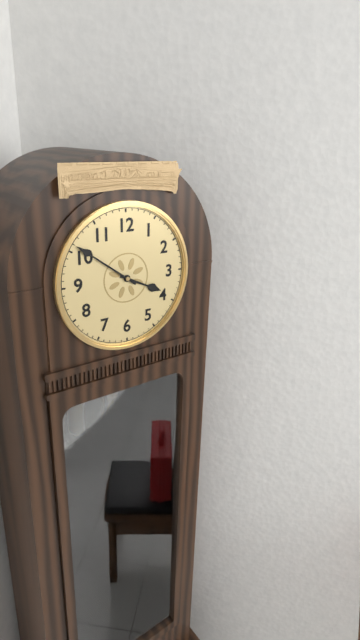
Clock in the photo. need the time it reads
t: 3:51
